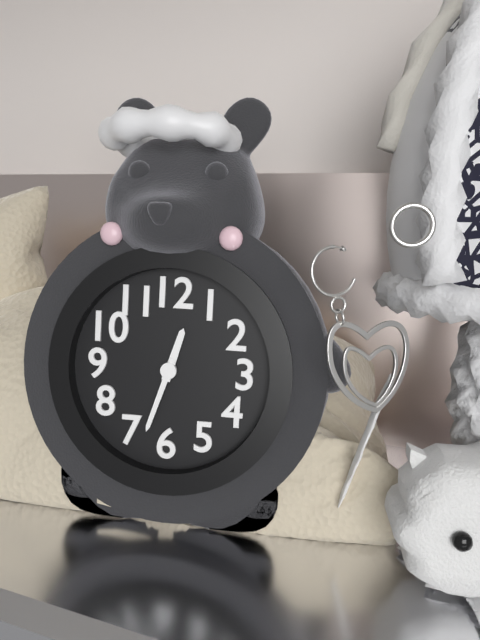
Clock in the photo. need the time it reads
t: 12:33
